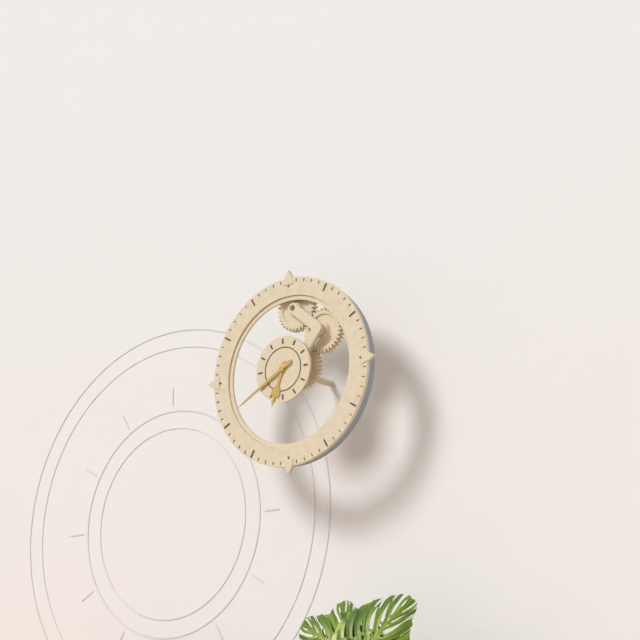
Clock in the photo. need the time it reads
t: 6:40
